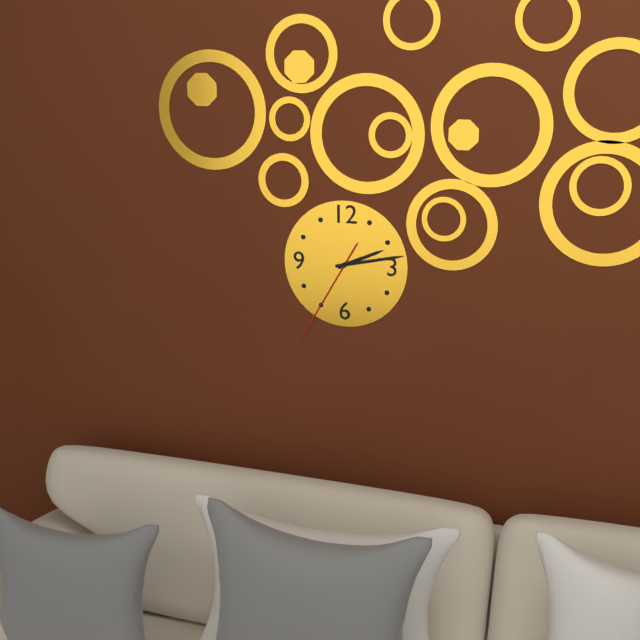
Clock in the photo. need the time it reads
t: 2:13:35
